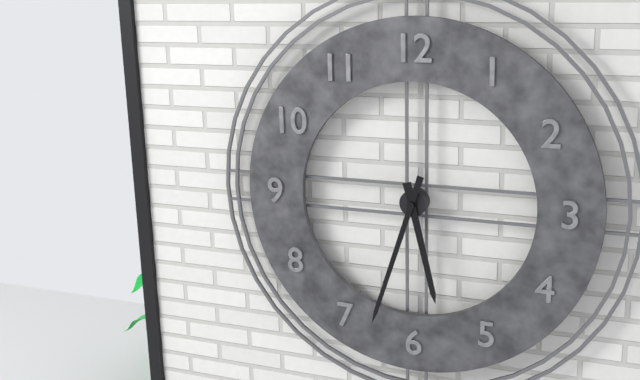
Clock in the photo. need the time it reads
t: 5:33
